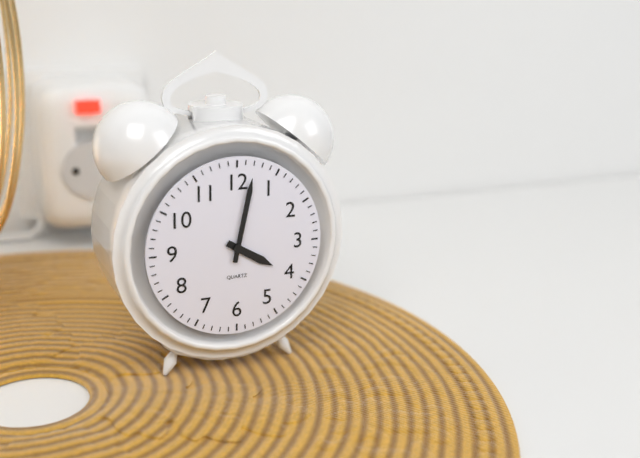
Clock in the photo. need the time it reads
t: 4:02
